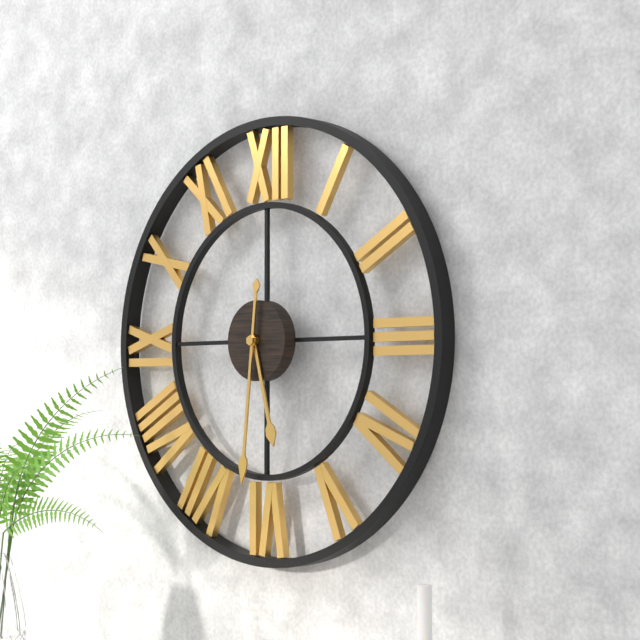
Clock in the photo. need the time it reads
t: 5:31
